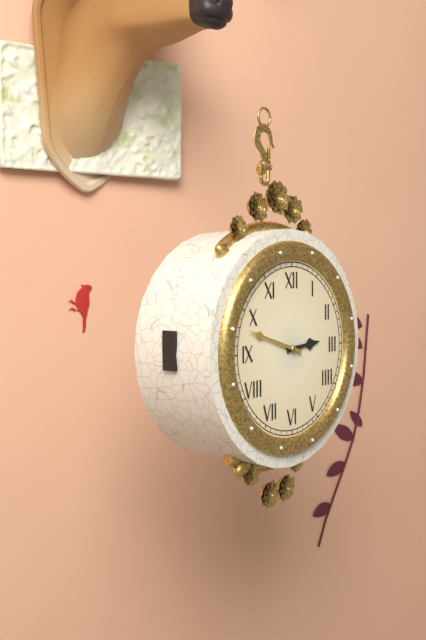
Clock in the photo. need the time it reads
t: 2:48
